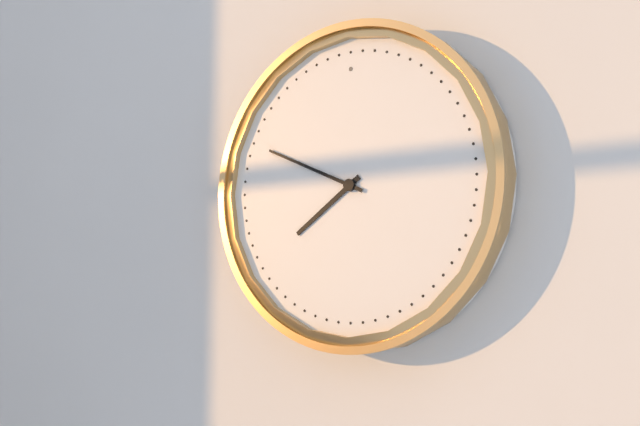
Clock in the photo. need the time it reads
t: 7:49
